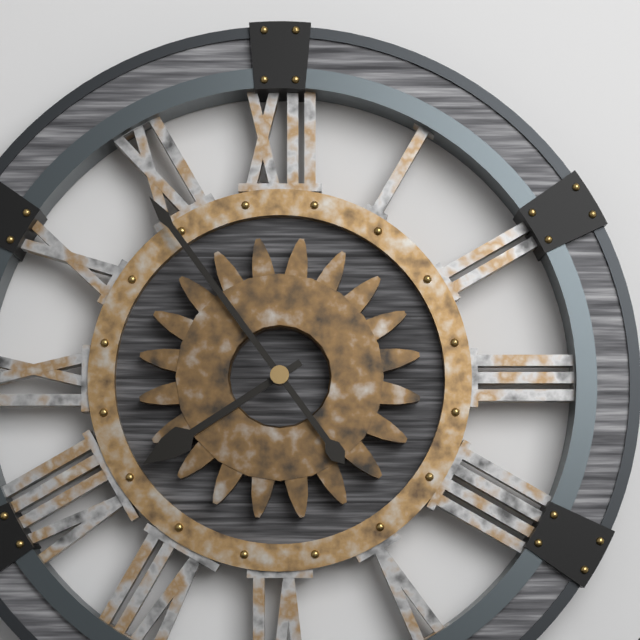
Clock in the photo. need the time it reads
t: 7:54
